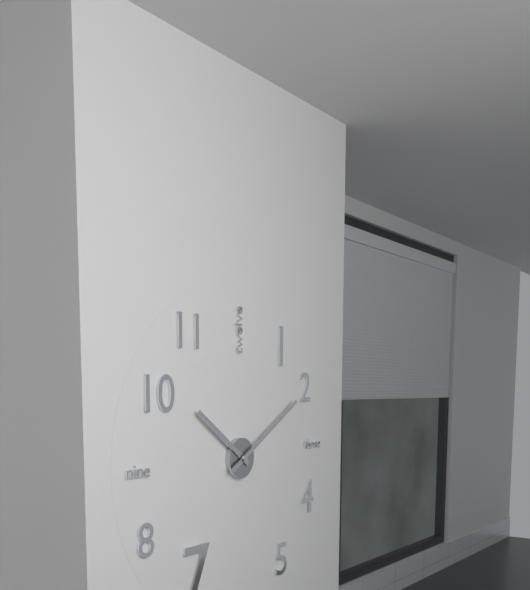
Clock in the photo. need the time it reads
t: 10:10
